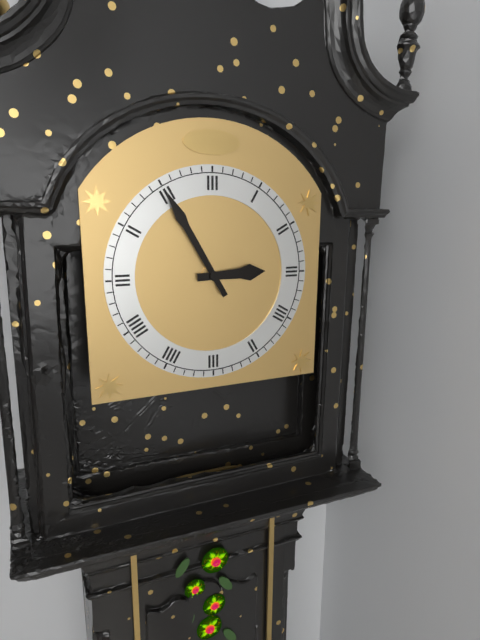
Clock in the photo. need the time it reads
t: 2:55
